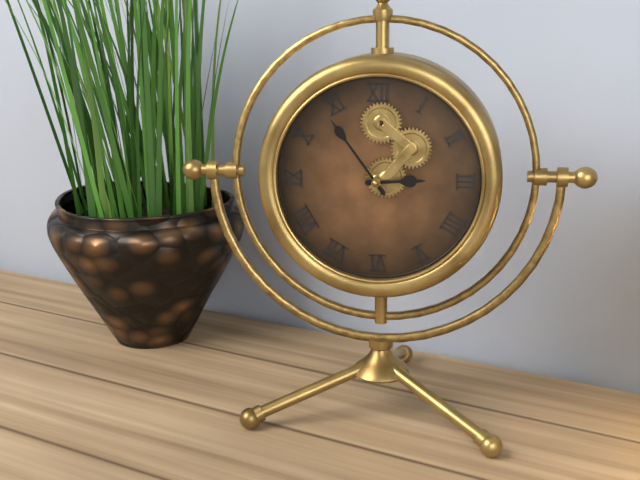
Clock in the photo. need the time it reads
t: 2:54
